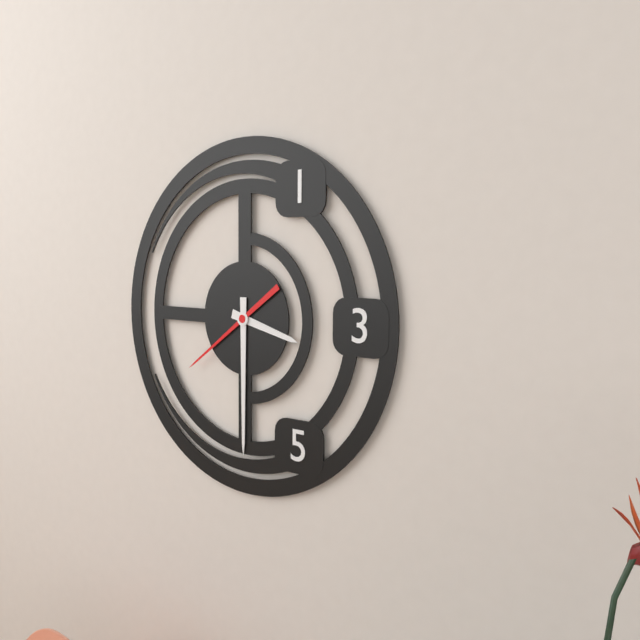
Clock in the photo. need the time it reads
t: 3:30:39
